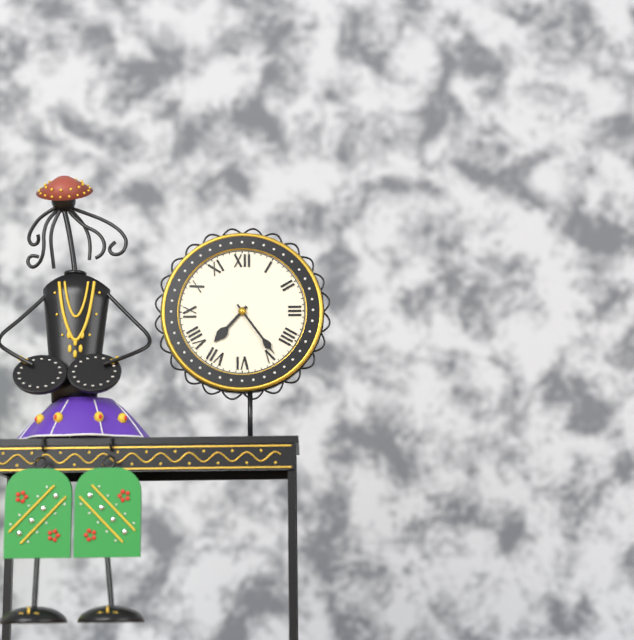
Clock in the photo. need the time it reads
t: 7:24
